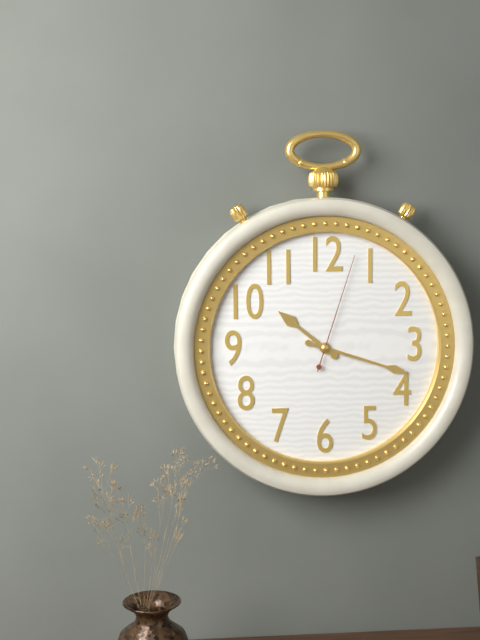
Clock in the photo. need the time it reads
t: 10:18:03
